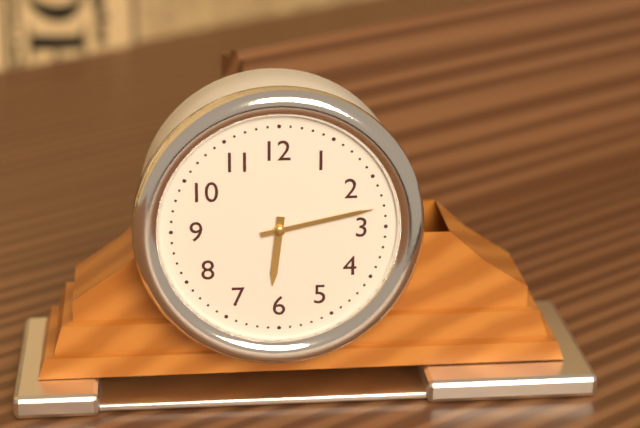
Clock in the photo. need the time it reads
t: 6:13
